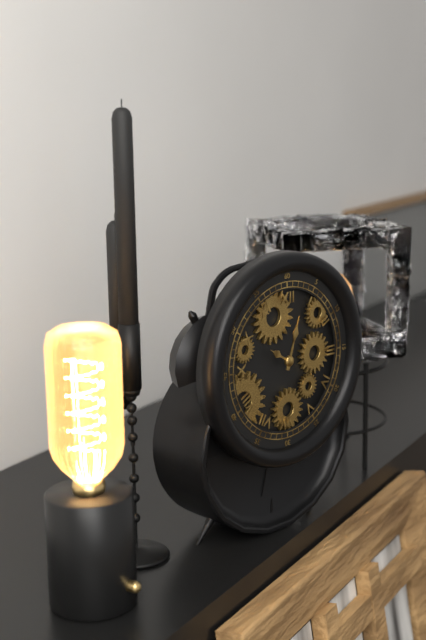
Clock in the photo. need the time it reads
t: 10:03
